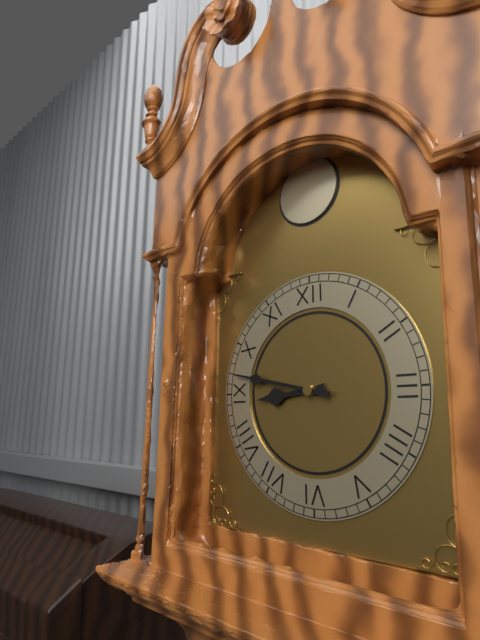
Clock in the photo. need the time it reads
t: 8:47
